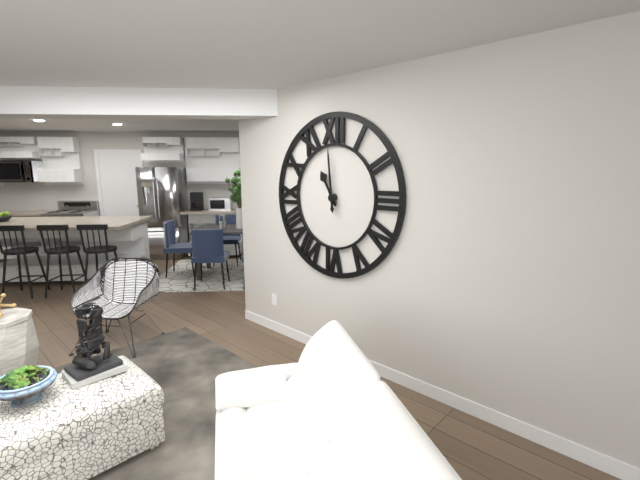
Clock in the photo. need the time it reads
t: 10:59
